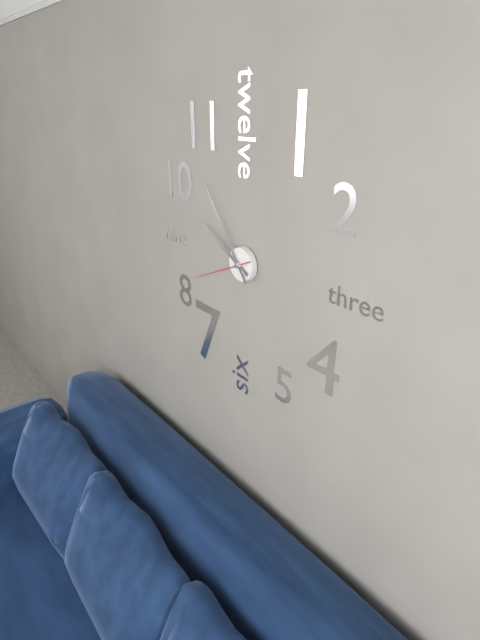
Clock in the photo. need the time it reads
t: 9:54:41
